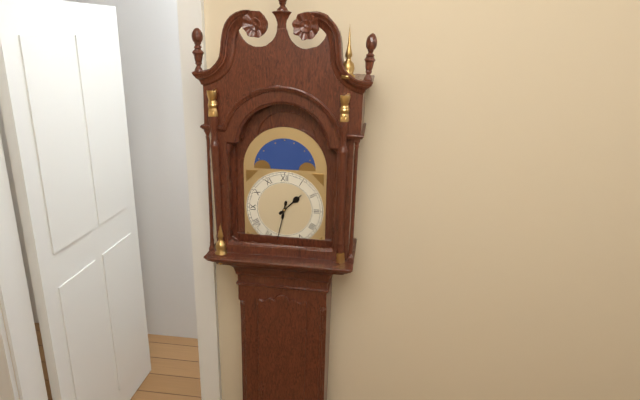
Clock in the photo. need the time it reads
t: 1:32
